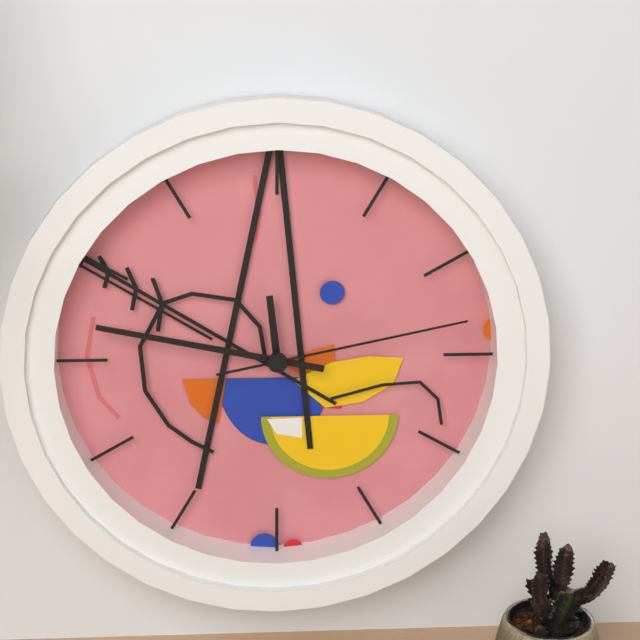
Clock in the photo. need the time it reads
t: 11:47:13
